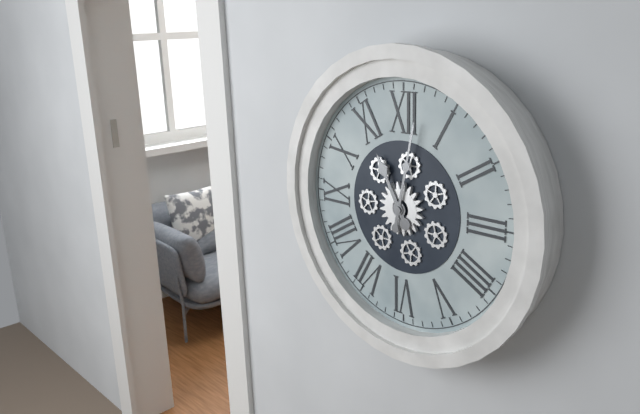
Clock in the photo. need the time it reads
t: 11:02
